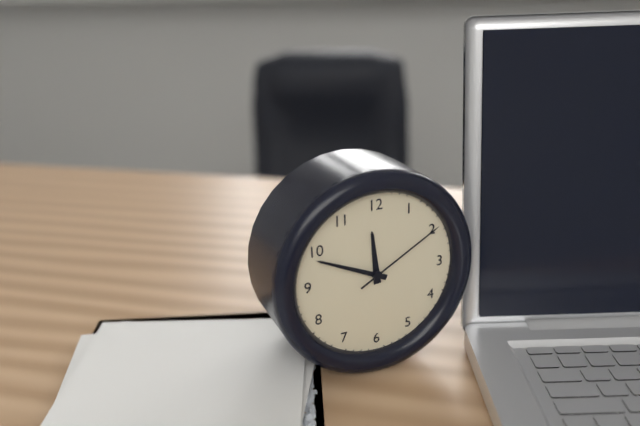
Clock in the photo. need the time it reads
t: 11:49:10
